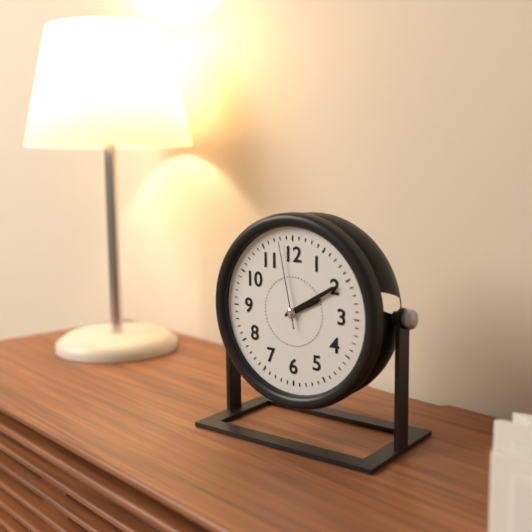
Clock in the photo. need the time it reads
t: 2:10:58
